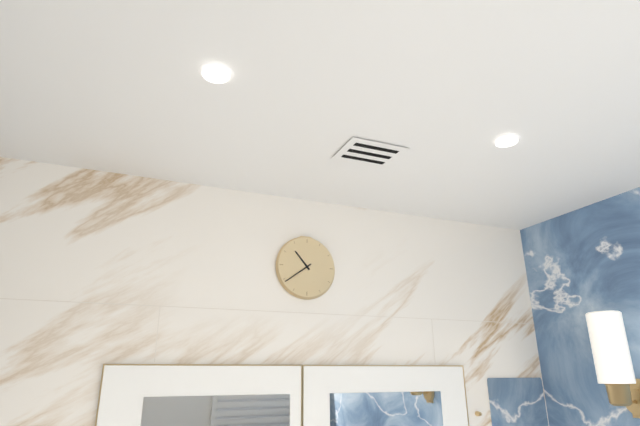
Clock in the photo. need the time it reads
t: 10:39
